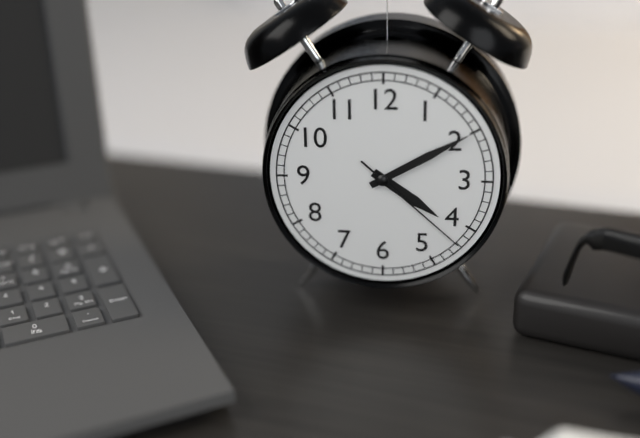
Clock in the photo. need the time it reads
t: 4:10:22
